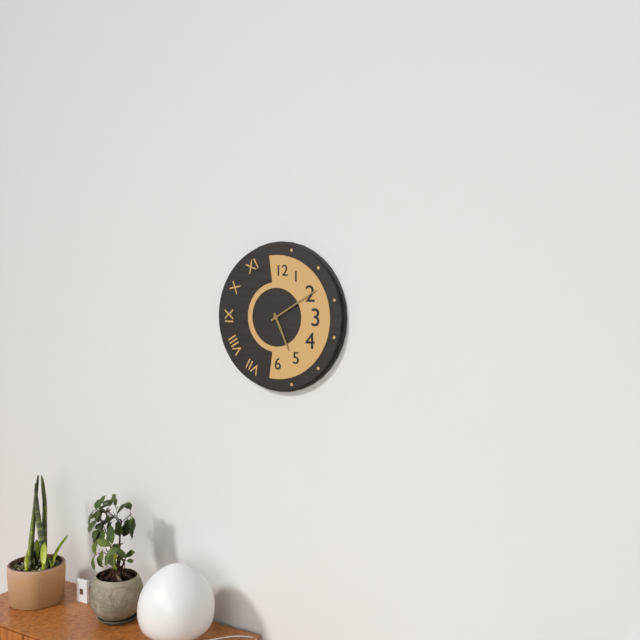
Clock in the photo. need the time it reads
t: 5:10
